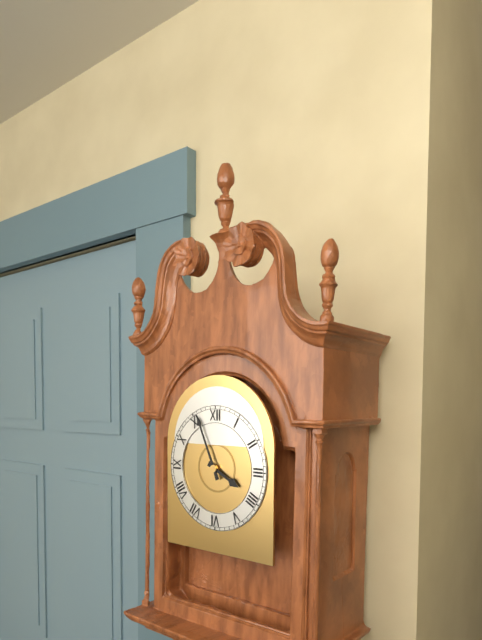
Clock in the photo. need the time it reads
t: 3:56
